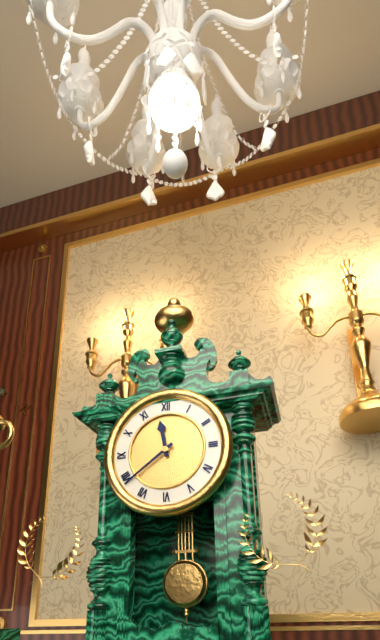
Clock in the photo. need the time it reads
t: 11:39
